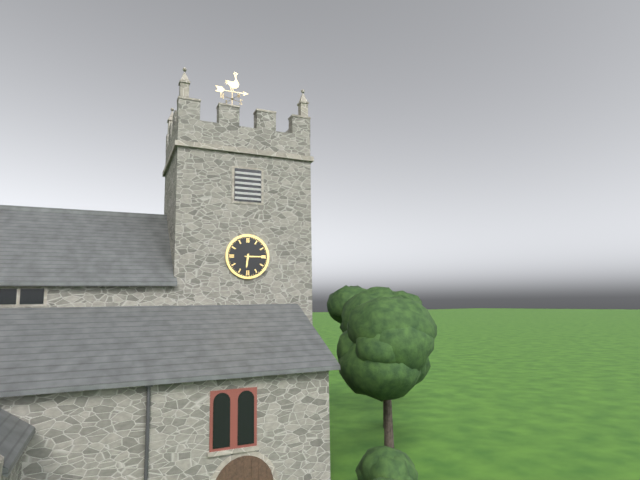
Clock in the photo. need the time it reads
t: 6:15
